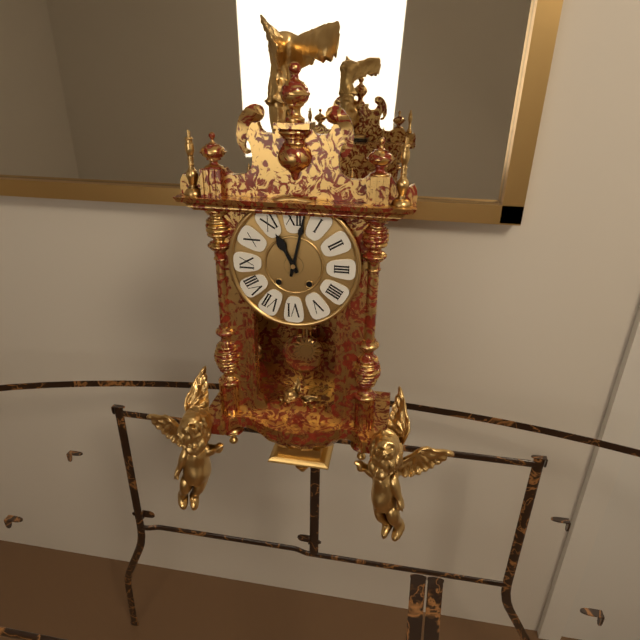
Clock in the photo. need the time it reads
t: 11:02
